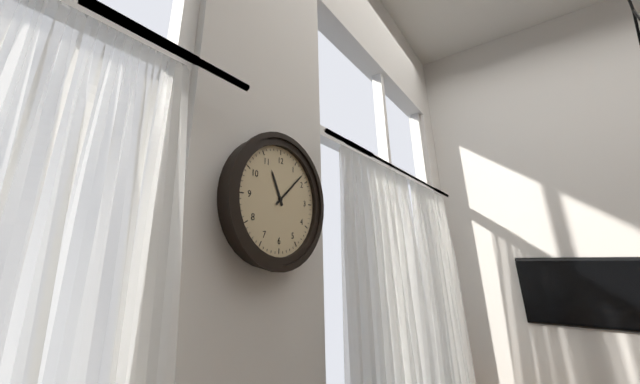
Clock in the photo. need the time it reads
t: 11:08
